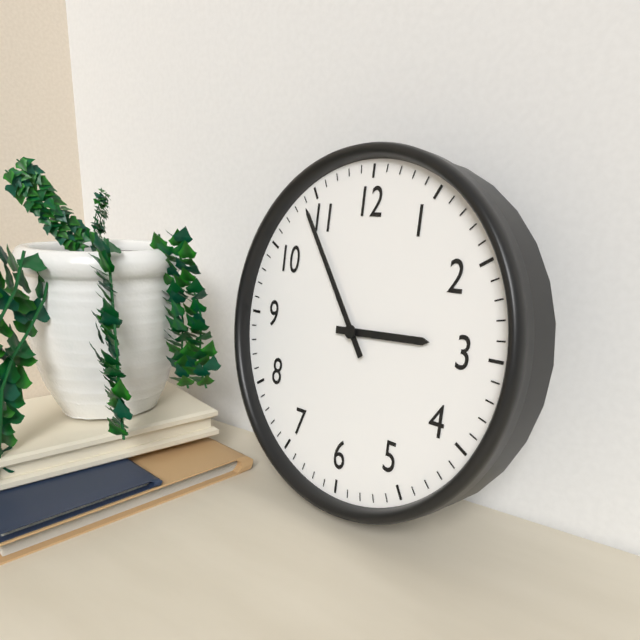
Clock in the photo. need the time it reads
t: 2:54
